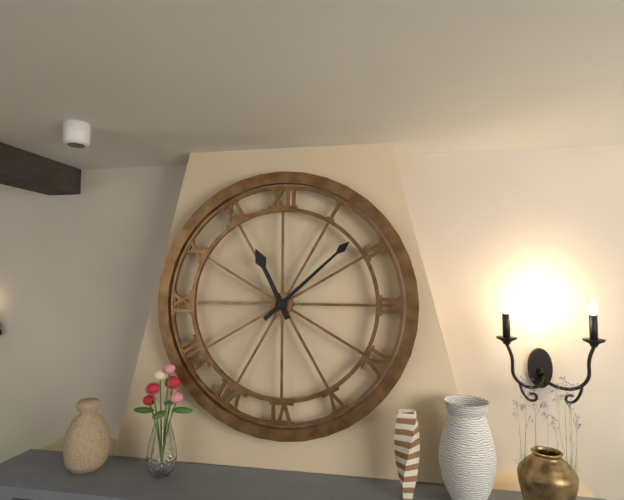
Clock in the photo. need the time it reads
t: 11:08
